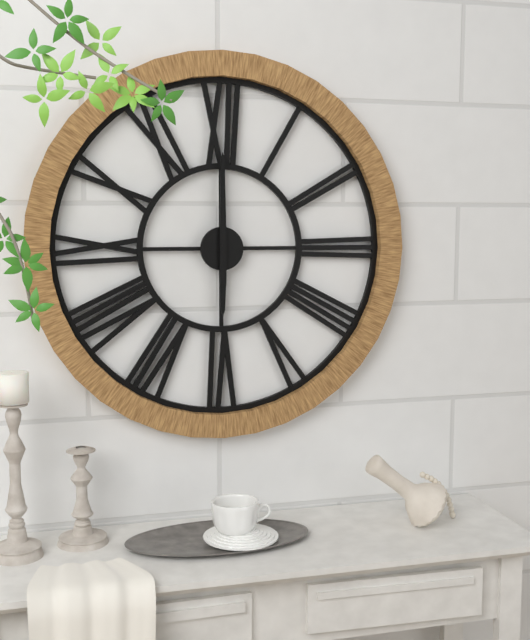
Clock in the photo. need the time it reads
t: 6:00
